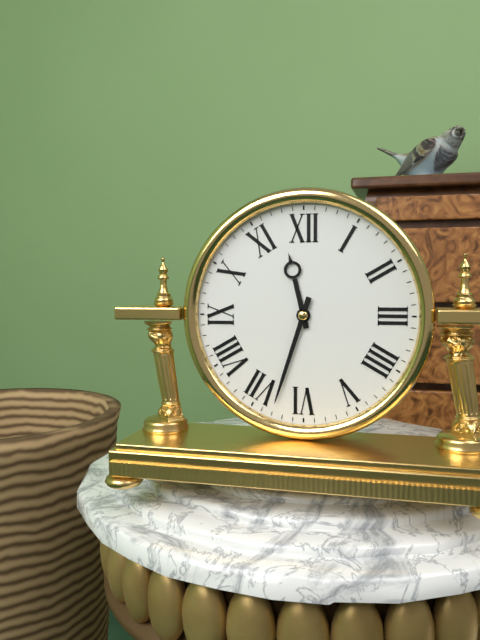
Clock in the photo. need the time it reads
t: 11:33
